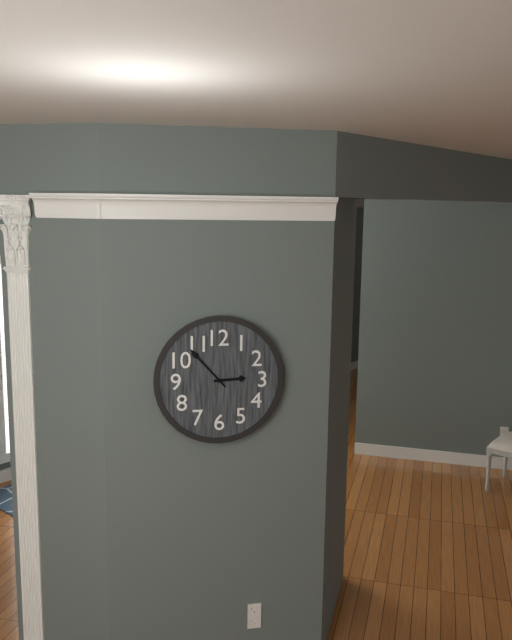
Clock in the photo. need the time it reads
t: 2:53
